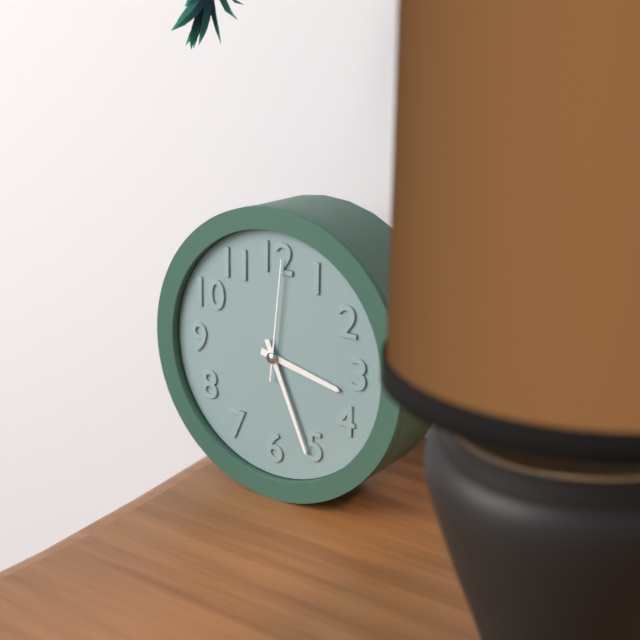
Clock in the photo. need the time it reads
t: 3:26:01
